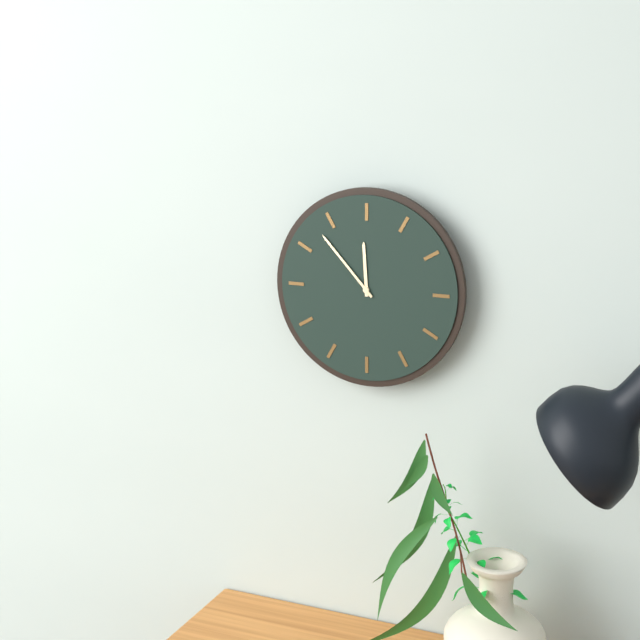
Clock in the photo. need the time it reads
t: 11:53
